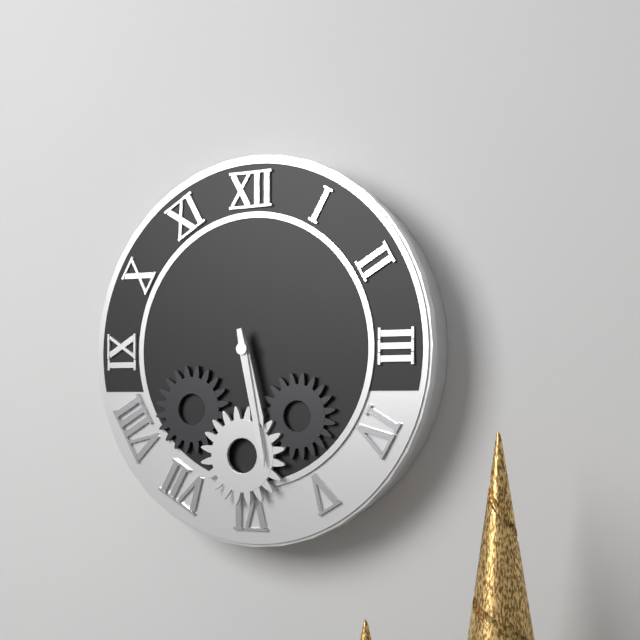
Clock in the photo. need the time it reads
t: 5:28
